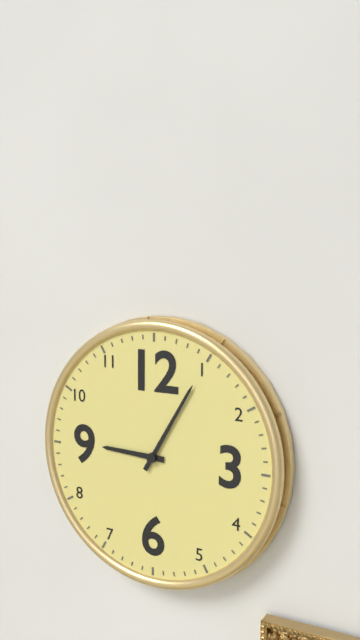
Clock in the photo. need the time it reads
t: 9:05
